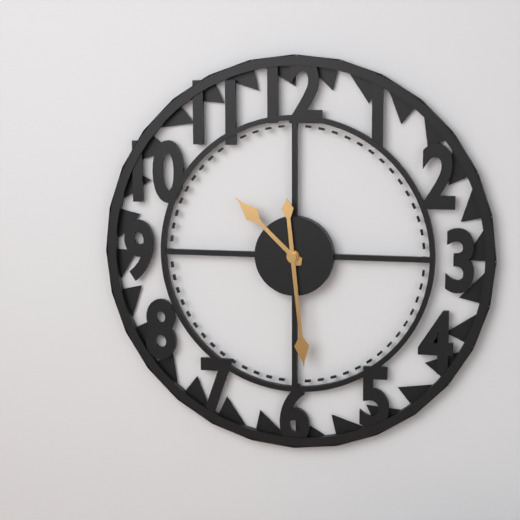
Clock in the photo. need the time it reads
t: 10:29
